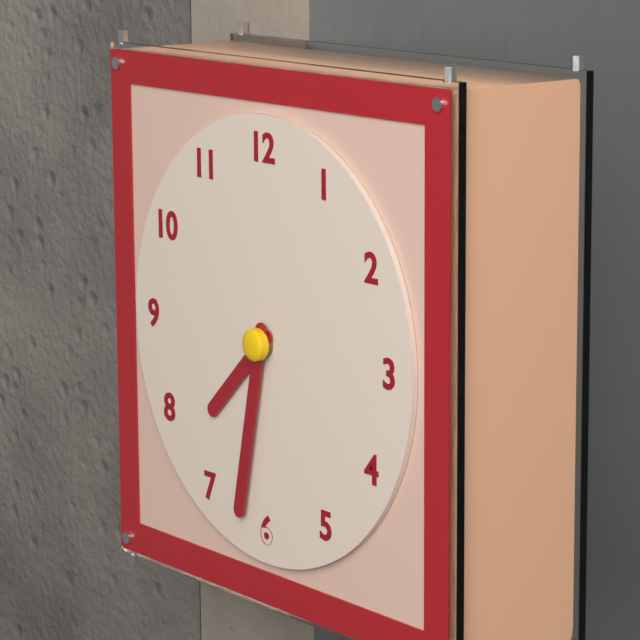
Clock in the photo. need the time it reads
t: 7:32
